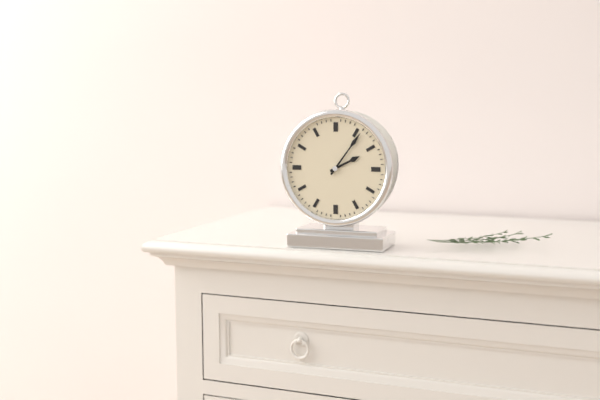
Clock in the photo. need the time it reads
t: 2:06
